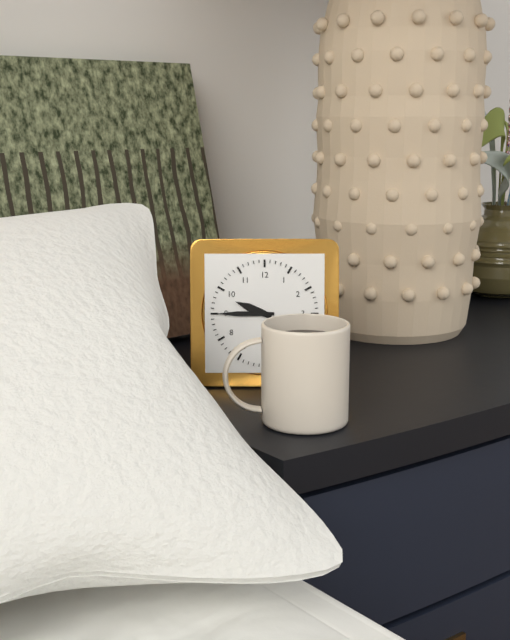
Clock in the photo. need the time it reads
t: 9:45
